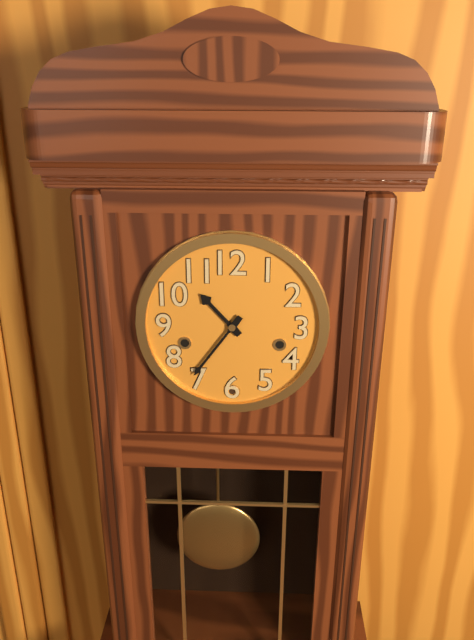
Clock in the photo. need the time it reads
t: 10:36
